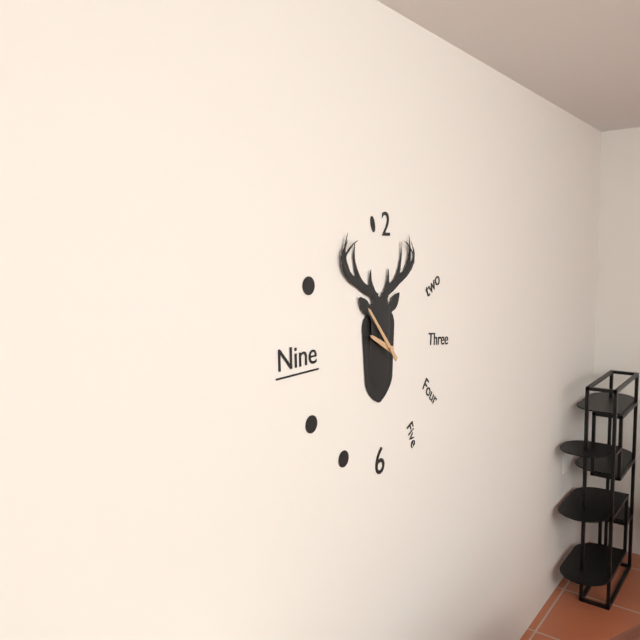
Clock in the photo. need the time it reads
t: 9:53
